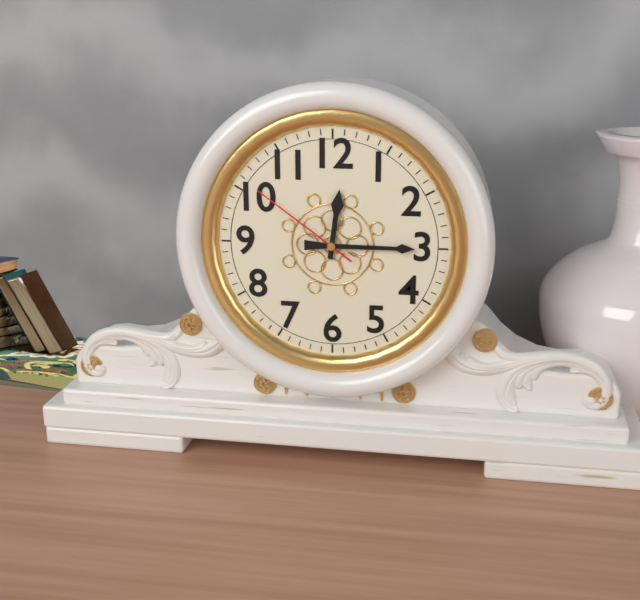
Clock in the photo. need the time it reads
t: 12:15:51
